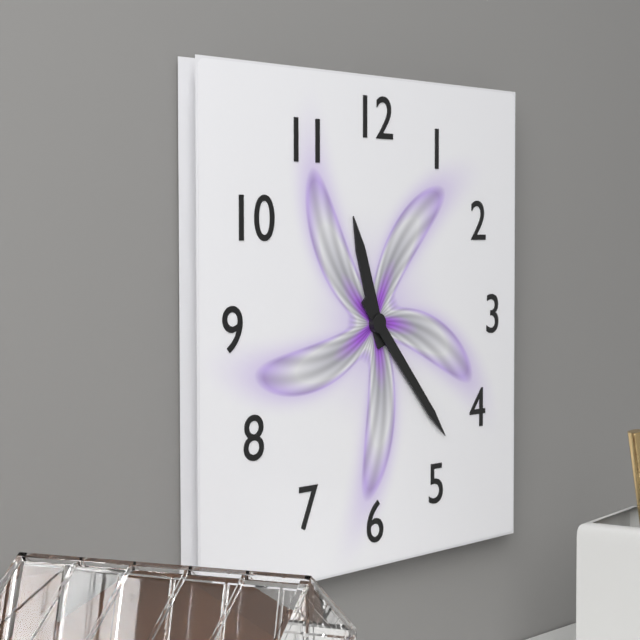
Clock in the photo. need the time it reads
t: 11:23
